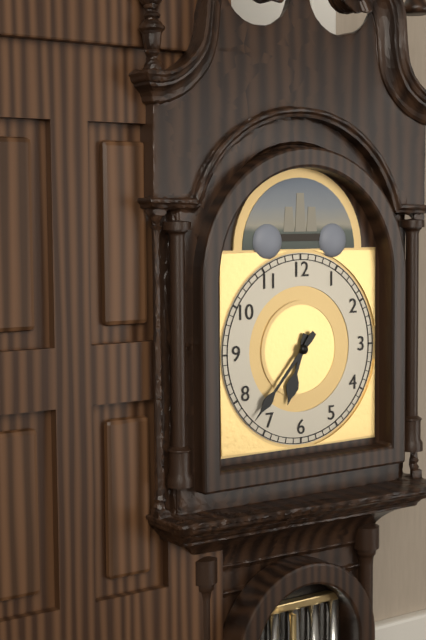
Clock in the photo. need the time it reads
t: 6:37
